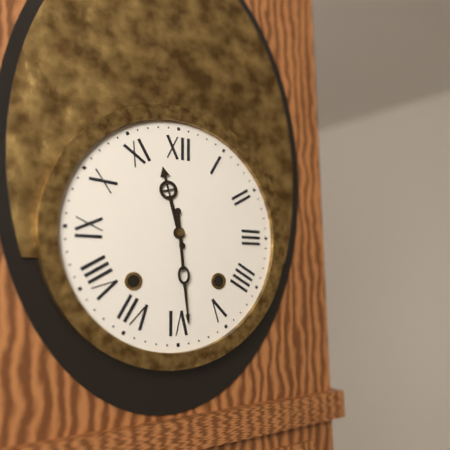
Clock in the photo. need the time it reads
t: 11:29
